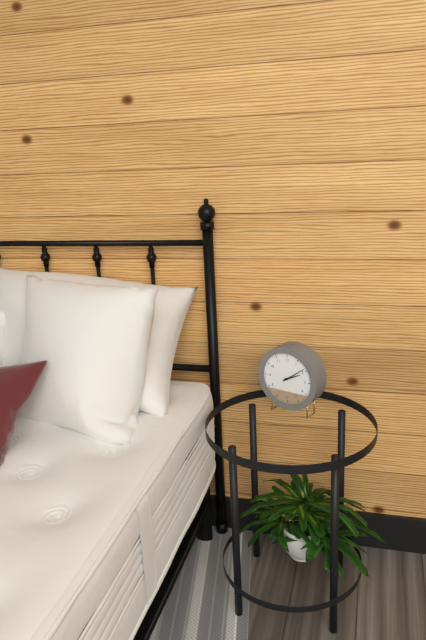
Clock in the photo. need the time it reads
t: 2:09
